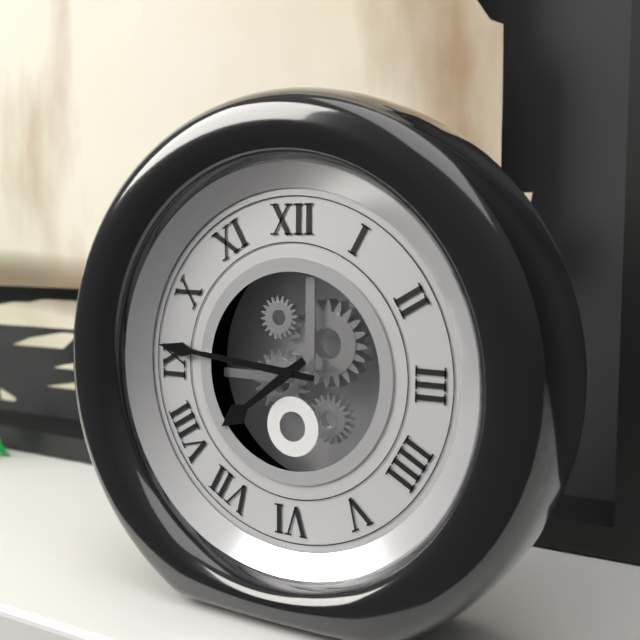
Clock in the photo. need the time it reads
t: 7:46
